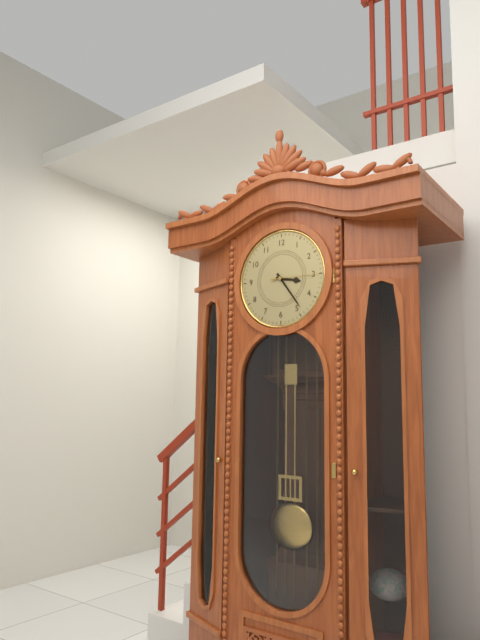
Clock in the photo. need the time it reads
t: 3:24
